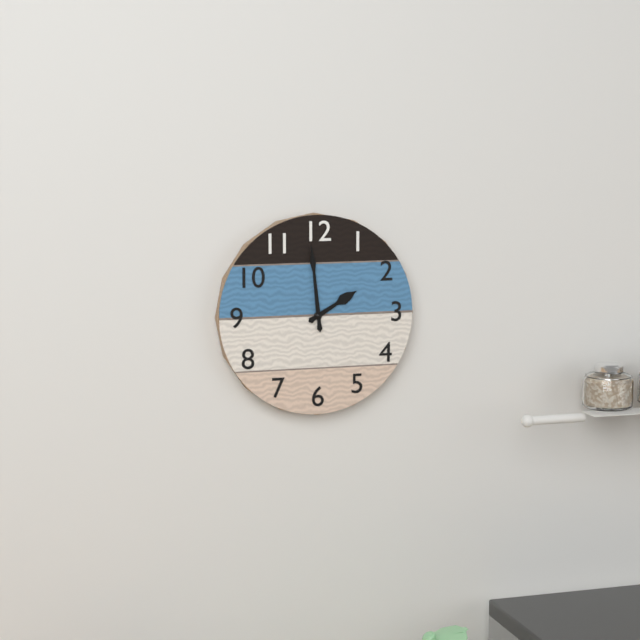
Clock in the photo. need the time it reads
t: 1:59
